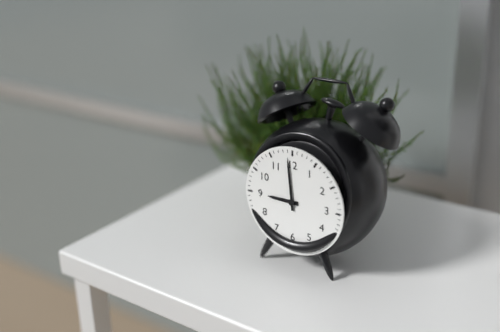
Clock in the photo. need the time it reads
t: 8:59
